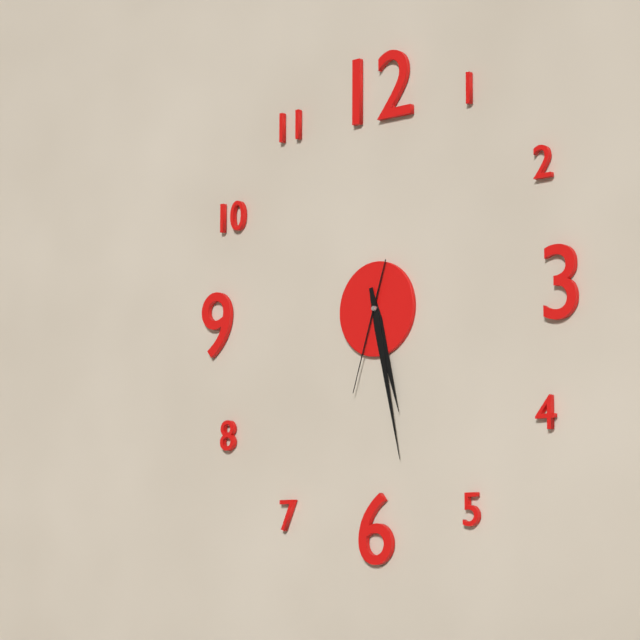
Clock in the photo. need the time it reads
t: 5:28:33
